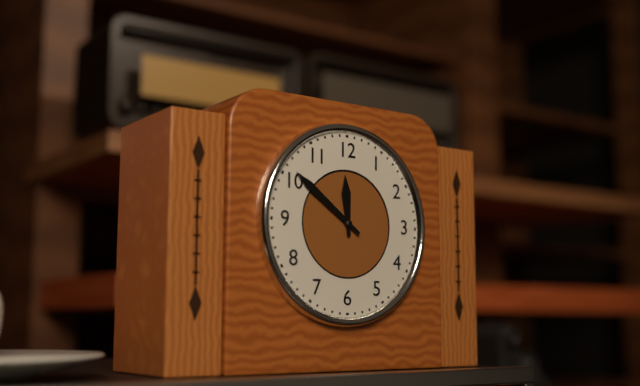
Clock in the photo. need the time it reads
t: 11:51
